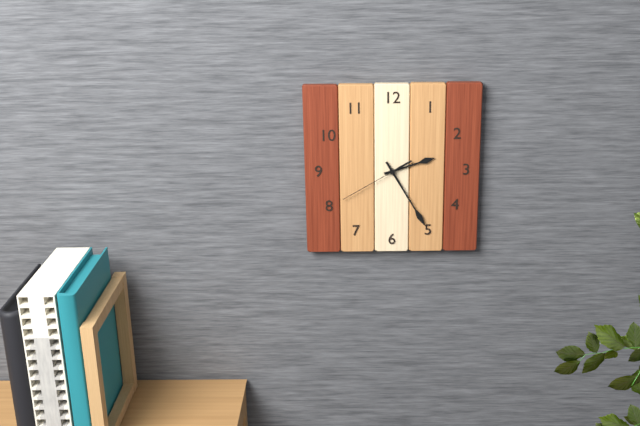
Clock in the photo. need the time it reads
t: 2:25:40
